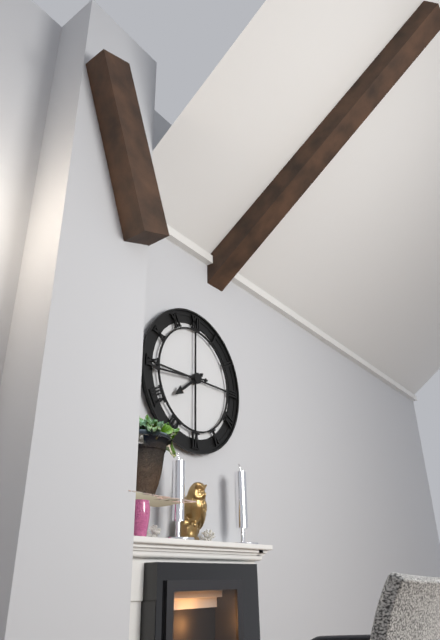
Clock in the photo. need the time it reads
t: 7:44
